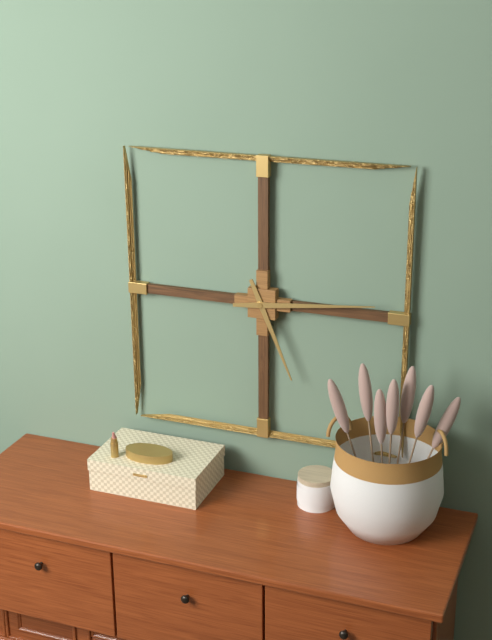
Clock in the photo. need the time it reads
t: 5:14
